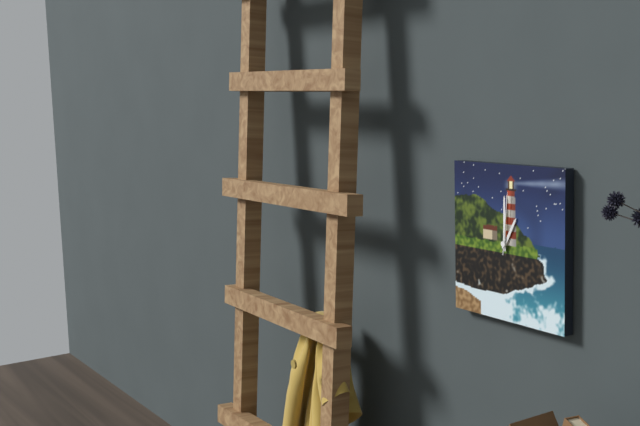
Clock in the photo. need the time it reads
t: 1:00:01
